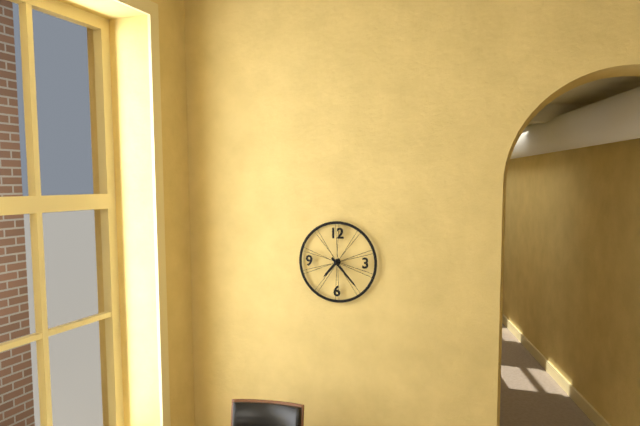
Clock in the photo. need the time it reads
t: 7:23
